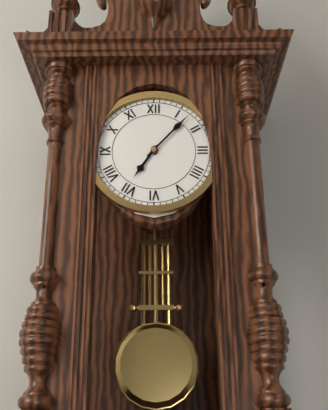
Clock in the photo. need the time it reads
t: 7:07
